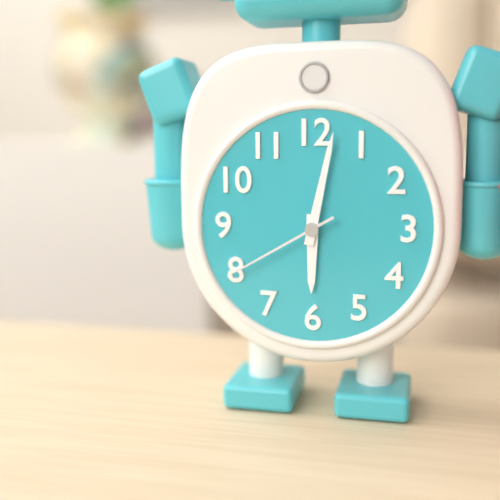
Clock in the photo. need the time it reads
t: 6:02:40
